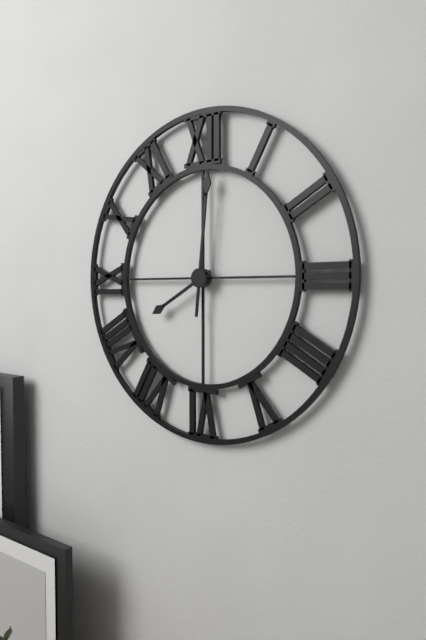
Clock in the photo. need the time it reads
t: 8:01
